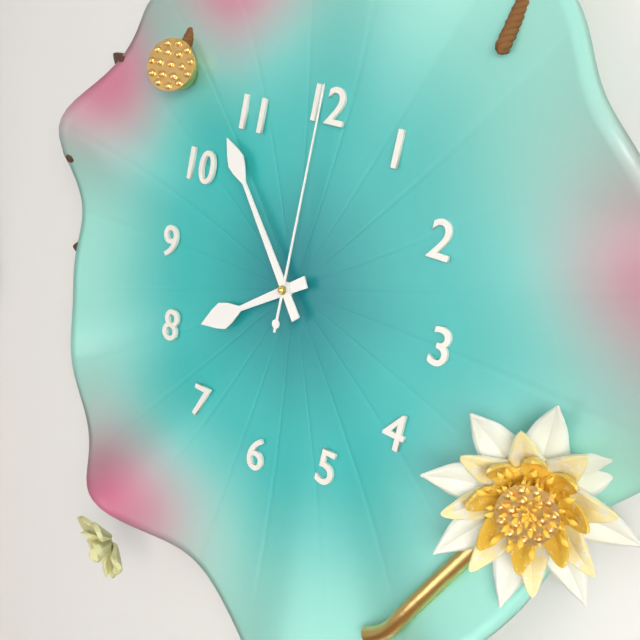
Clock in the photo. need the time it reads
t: 7:53:00
